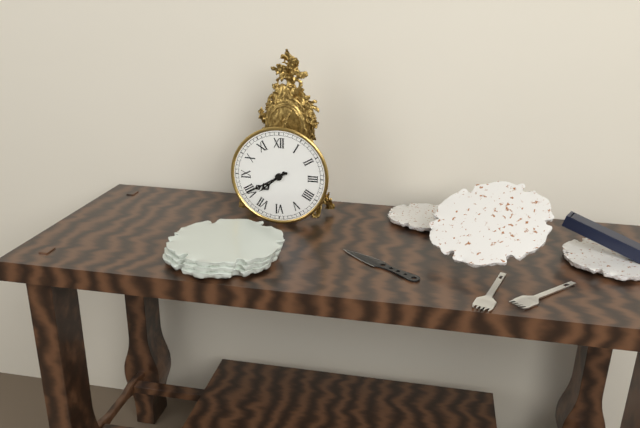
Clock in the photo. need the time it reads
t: 7:40
